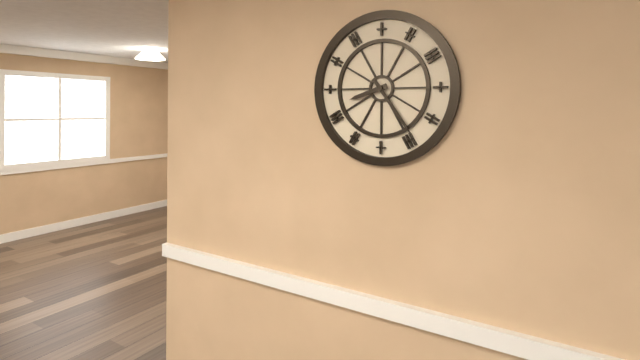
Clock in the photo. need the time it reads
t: 8:24
